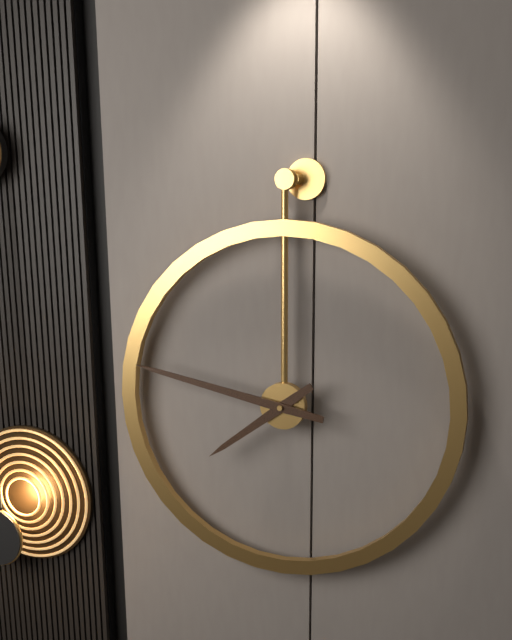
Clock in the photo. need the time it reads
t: 7:47
